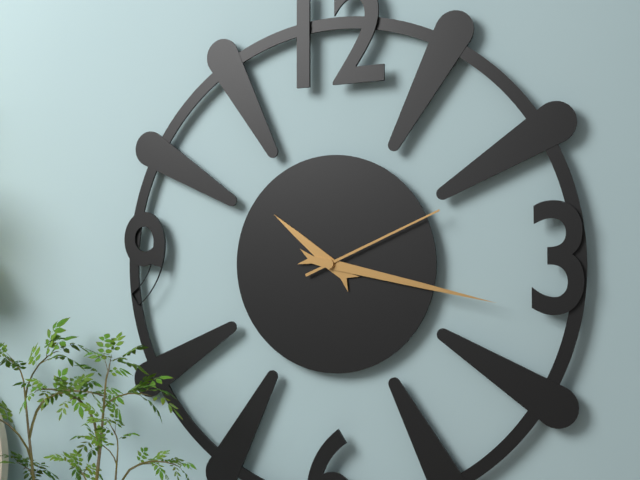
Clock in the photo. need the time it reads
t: 10:17:11
